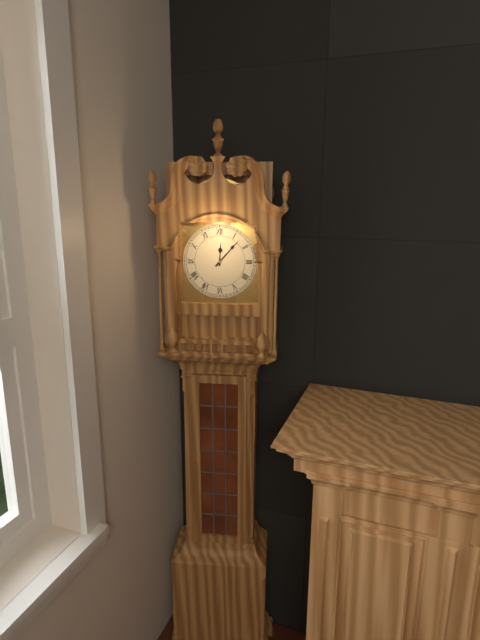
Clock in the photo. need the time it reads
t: 12:07
